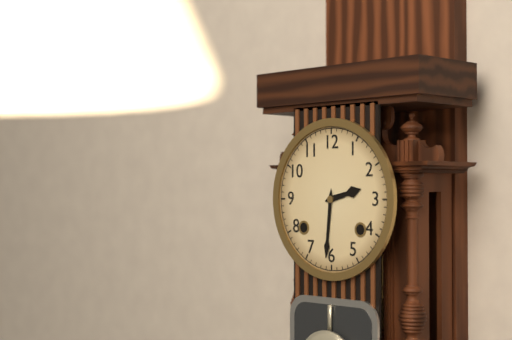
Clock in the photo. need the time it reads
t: 2:31
